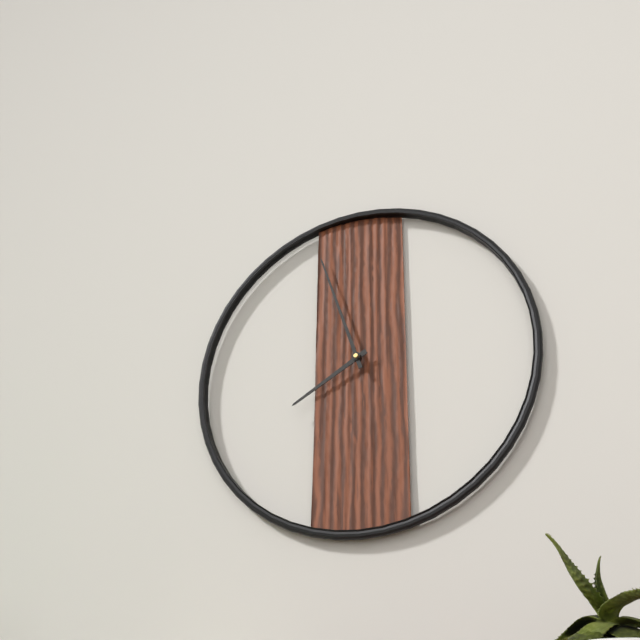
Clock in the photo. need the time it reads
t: 7:57
